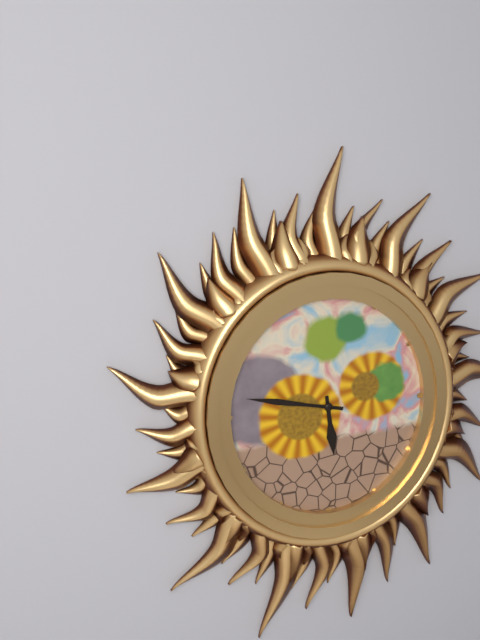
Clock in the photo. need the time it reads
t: 5:47
